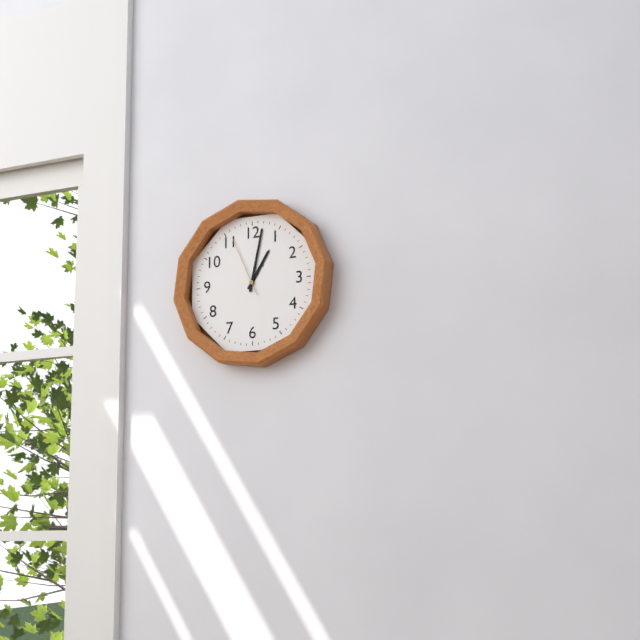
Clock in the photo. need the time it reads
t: 1:02:56
